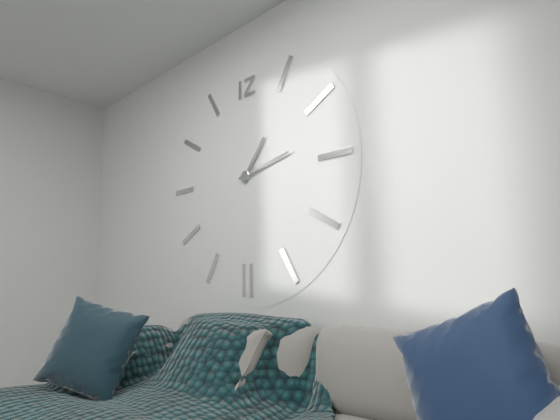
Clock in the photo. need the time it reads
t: 1:13
